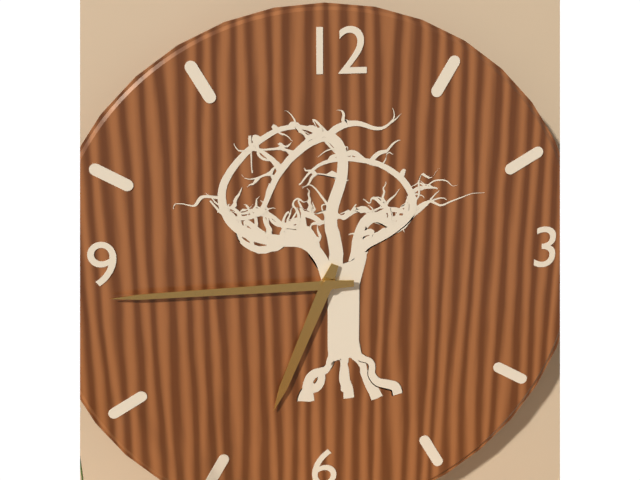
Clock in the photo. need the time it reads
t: 6:45
